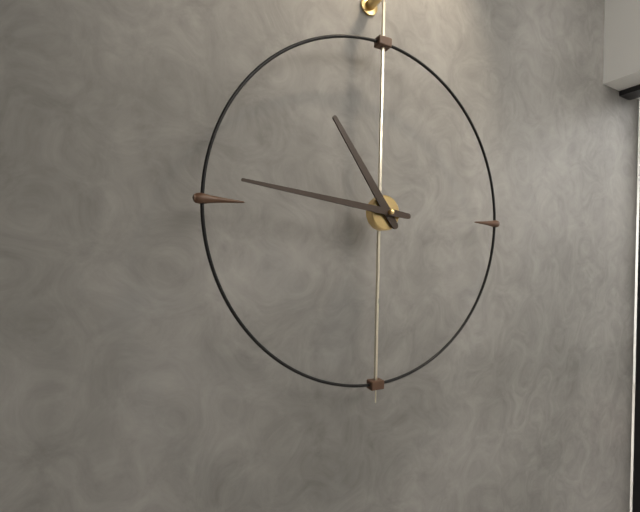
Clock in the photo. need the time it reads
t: 10:46
